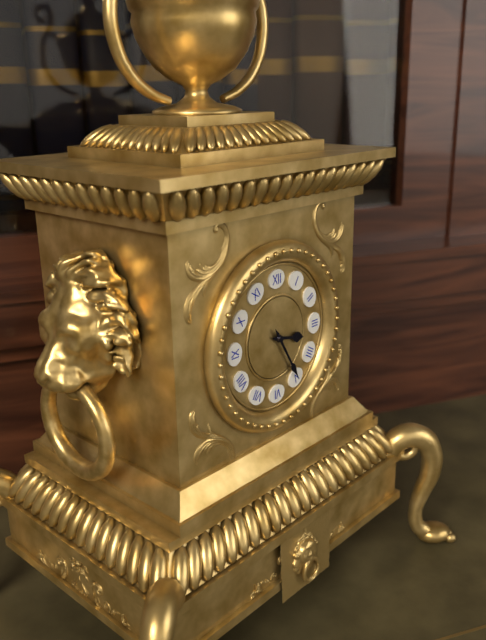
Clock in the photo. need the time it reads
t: 3:25
